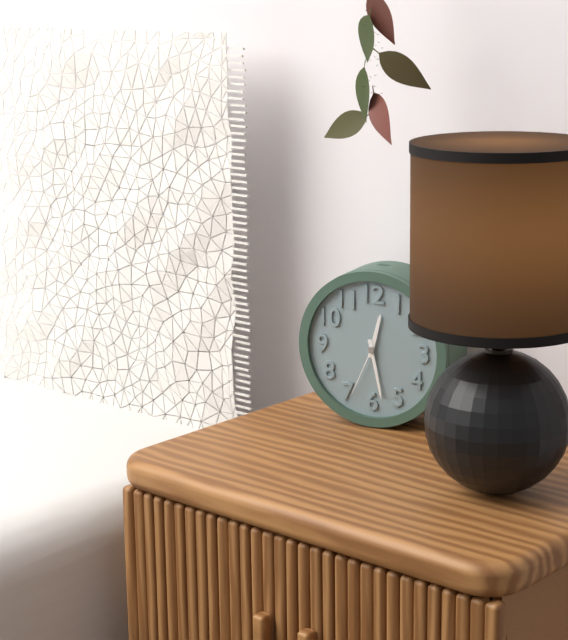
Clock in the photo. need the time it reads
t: 12:28:34
